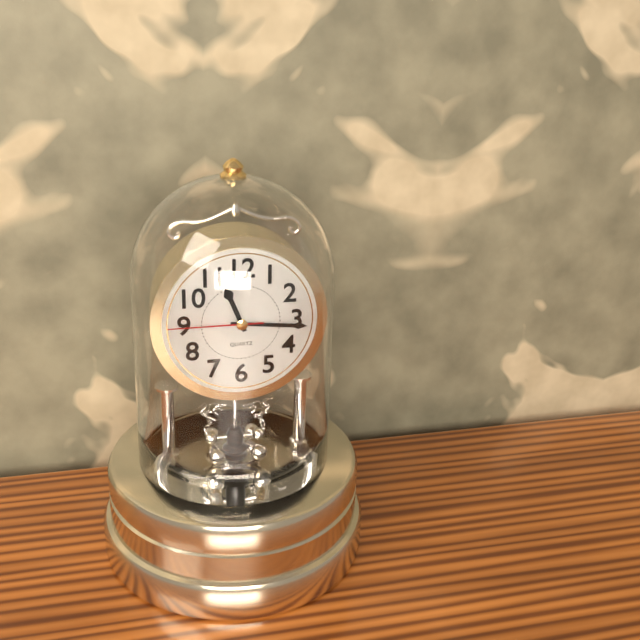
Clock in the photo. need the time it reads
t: 11:16:45
